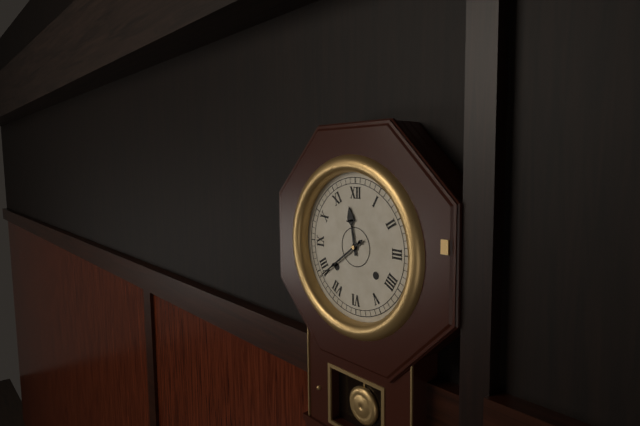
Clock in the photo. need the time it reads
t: 11:39
